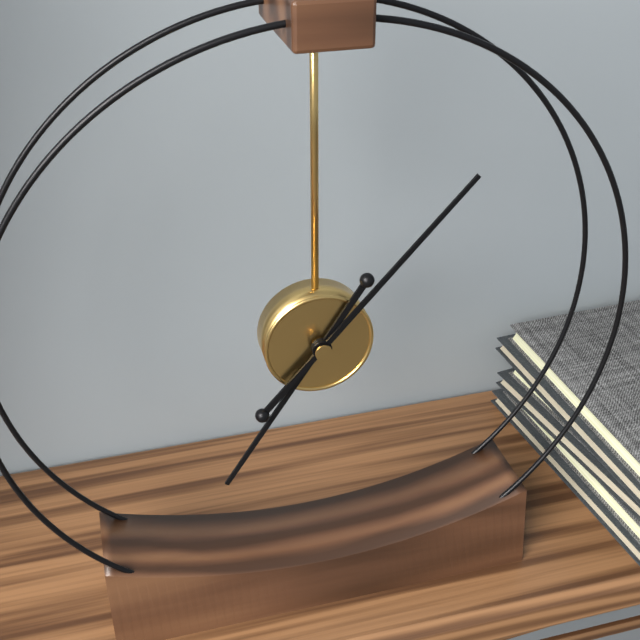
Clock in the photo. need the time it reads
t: 7:07
